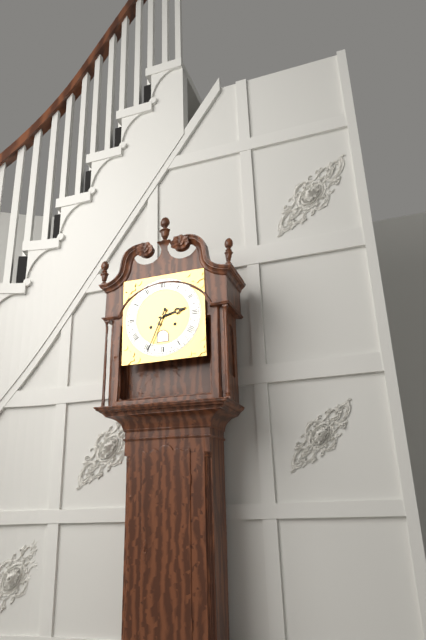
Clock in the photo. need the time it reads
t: 2:34
